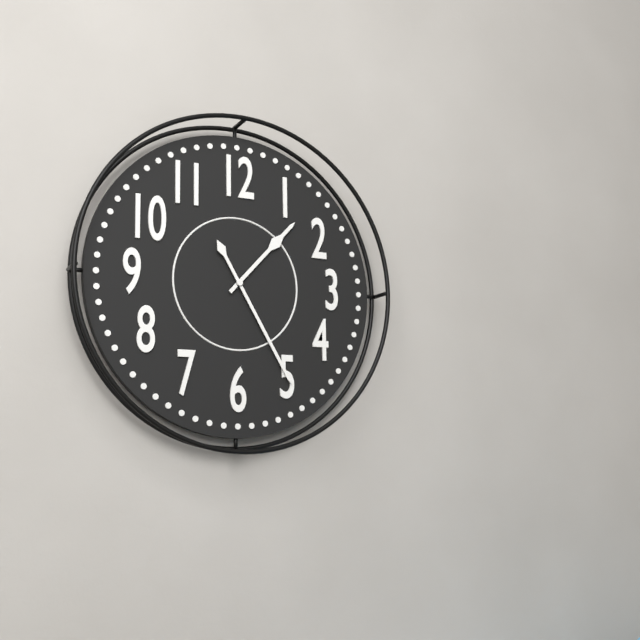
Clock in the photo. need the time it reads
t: 1:25
